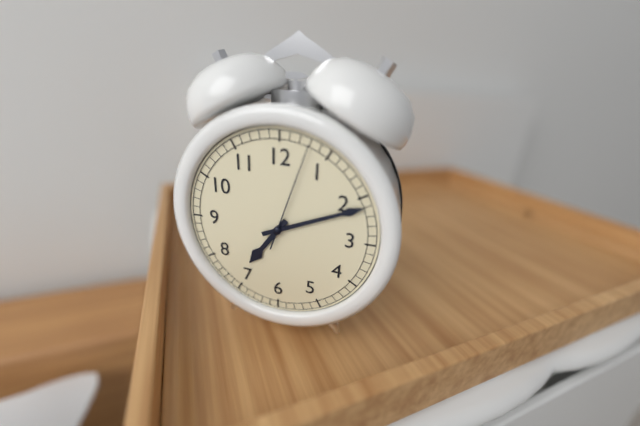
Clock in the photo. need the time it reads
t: 7:11:03
